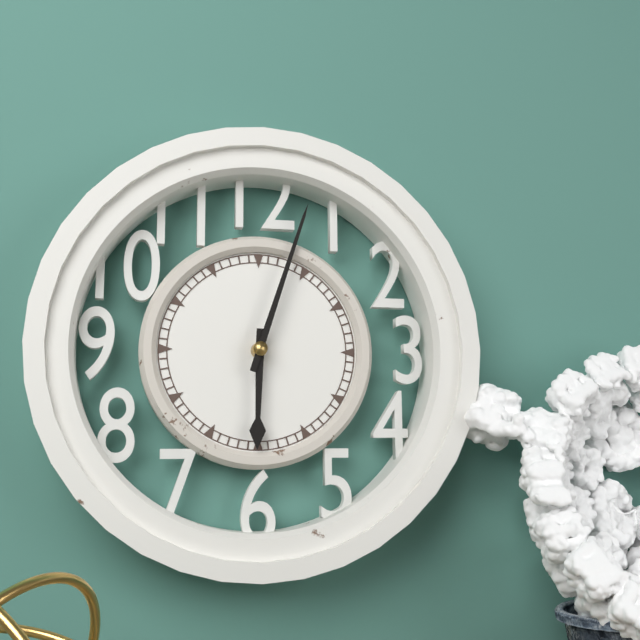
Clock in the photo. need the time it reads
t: 6:03
